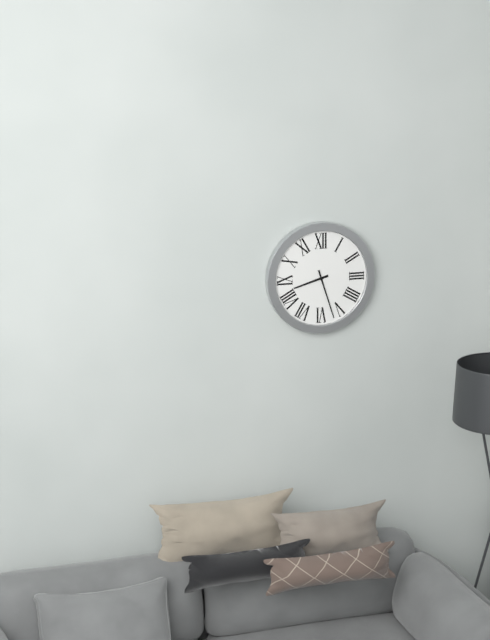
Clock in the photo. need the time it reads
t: 8:27
